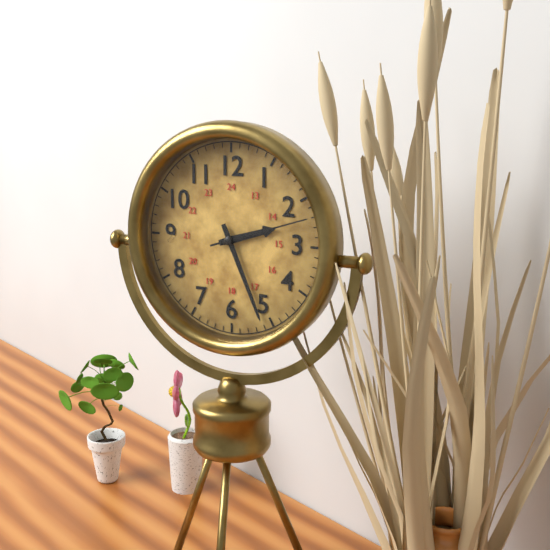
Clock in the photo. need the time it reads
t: 2:26:12
